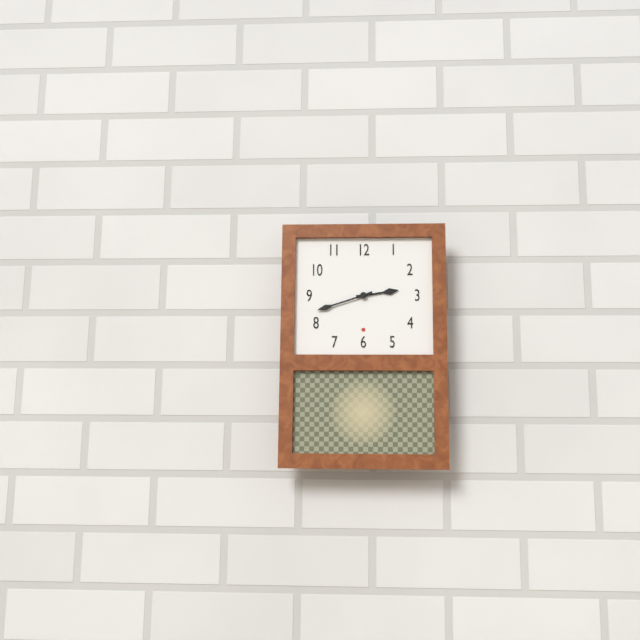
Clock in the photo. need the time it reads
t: 2:42
